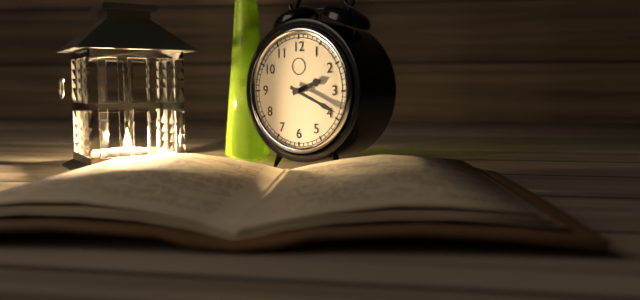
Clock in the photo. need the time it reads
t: 2:19
